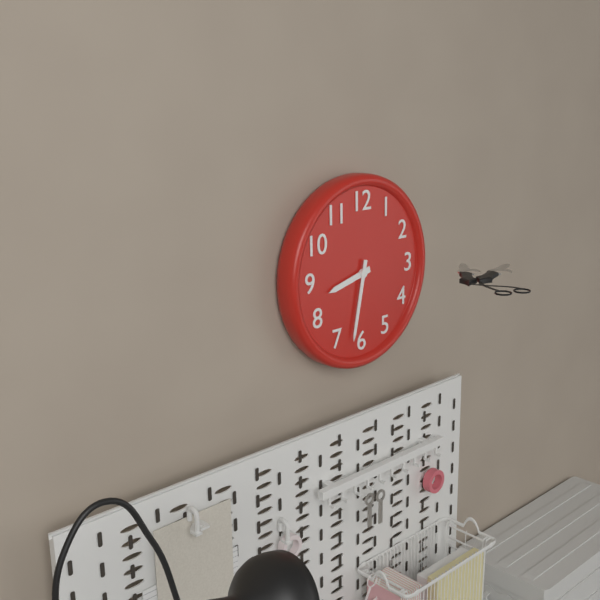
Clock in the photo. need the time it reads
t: 8:32
